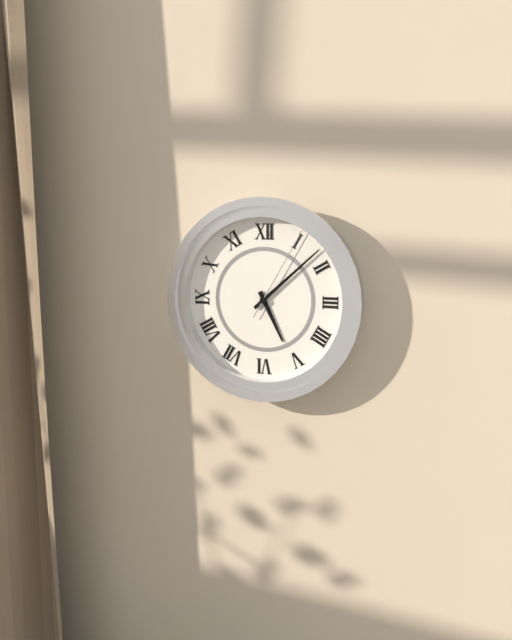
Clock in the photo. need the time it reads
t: 5:08:05
